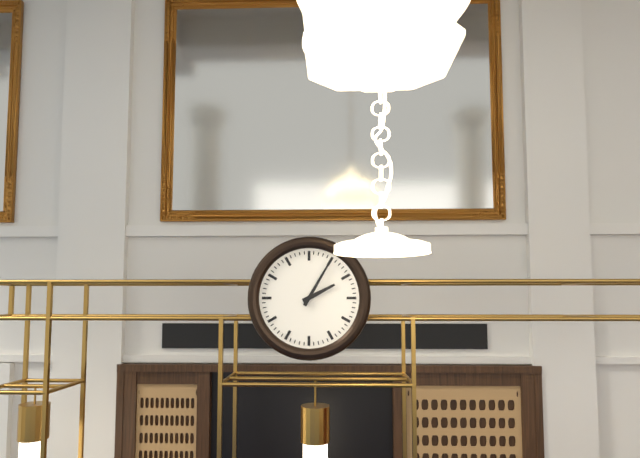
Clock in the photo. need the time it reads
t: 2:05
